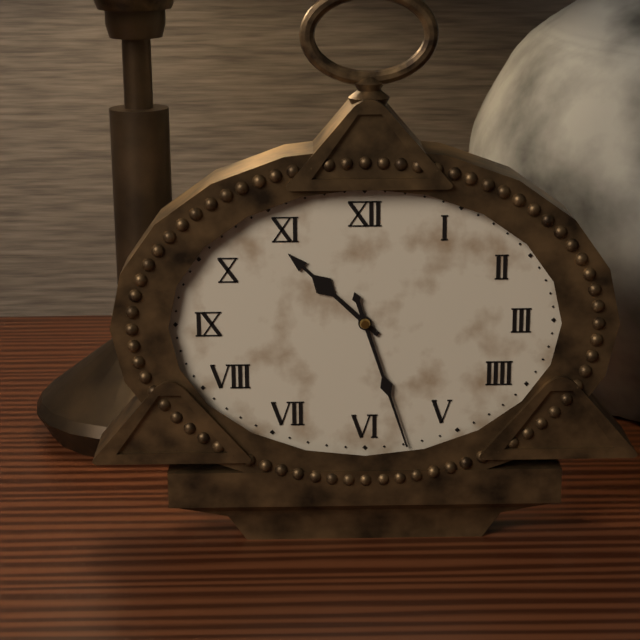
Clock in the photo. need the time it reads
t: 10:27
